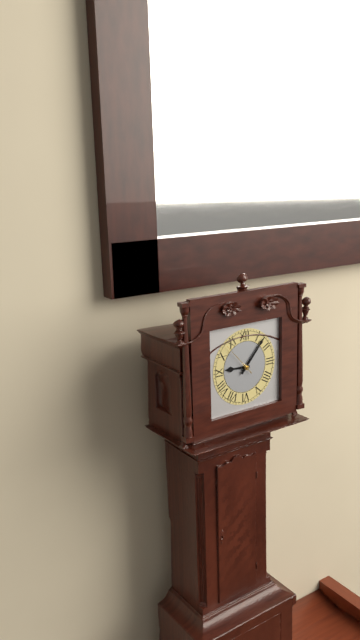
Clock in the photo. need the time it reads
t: 9:07
